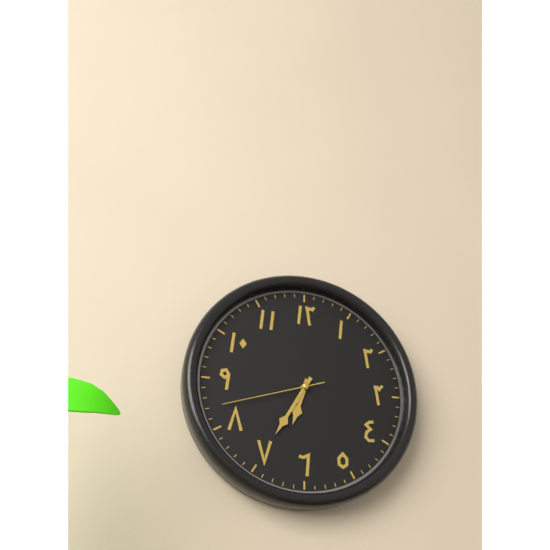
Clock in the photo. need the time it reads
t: 6:35:42
